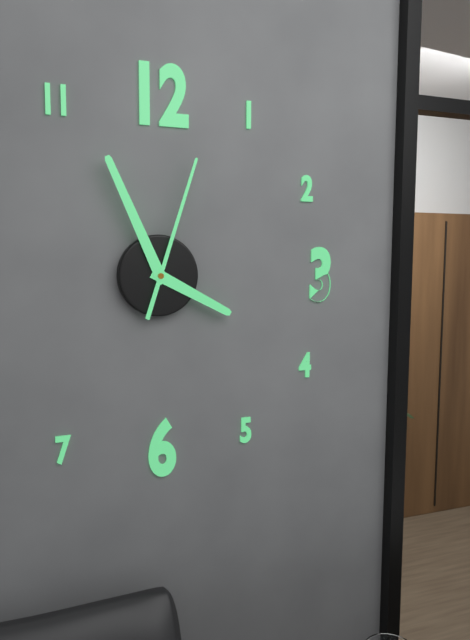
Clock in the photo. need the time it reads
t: 3:56:03
